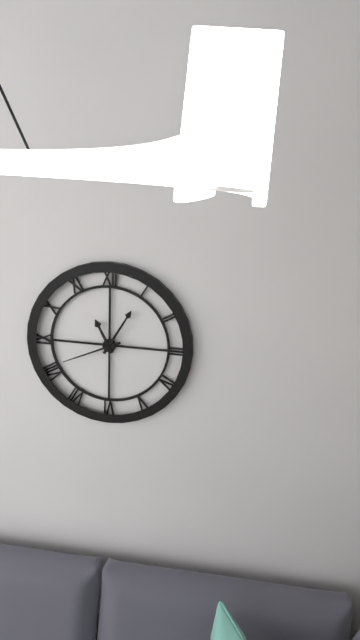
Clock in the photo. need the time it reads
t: 11:05:41
